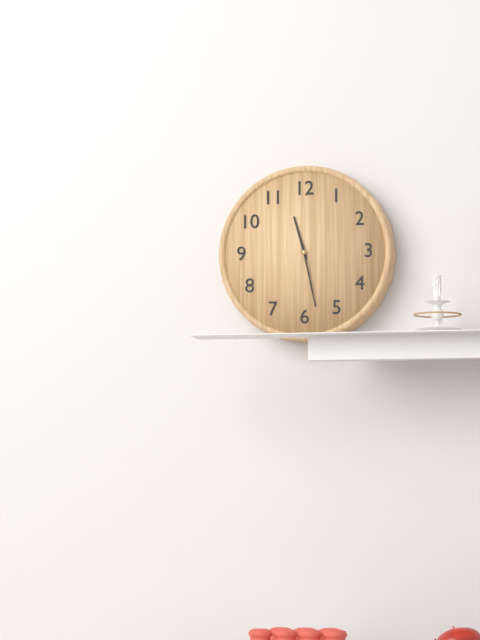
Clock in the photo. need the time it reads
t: 11:28
